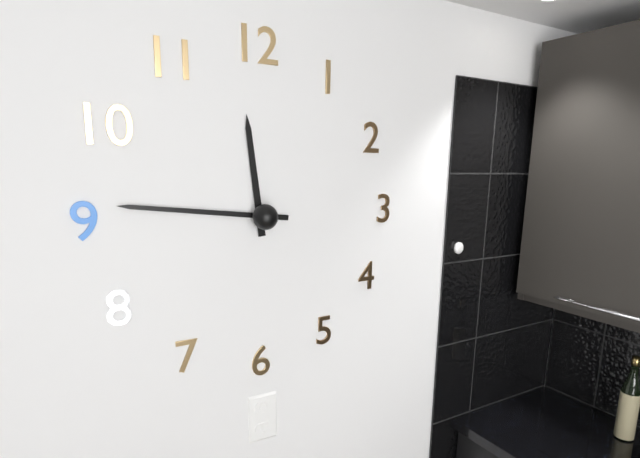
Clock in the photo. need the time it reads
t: 11:46
